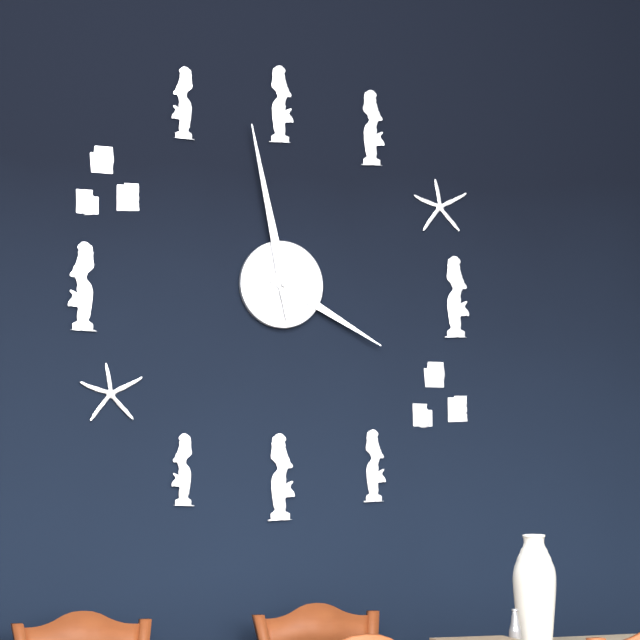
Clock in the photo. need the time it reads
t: 3:58
